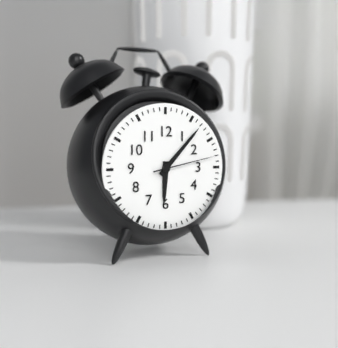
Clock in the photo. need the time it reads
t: 6:07:13
